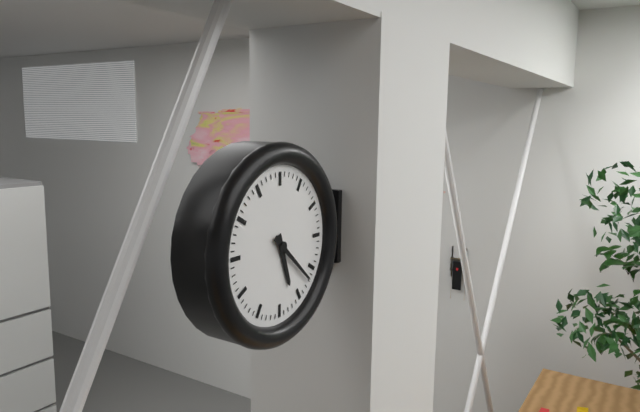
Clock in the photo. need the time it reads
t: 5:22
